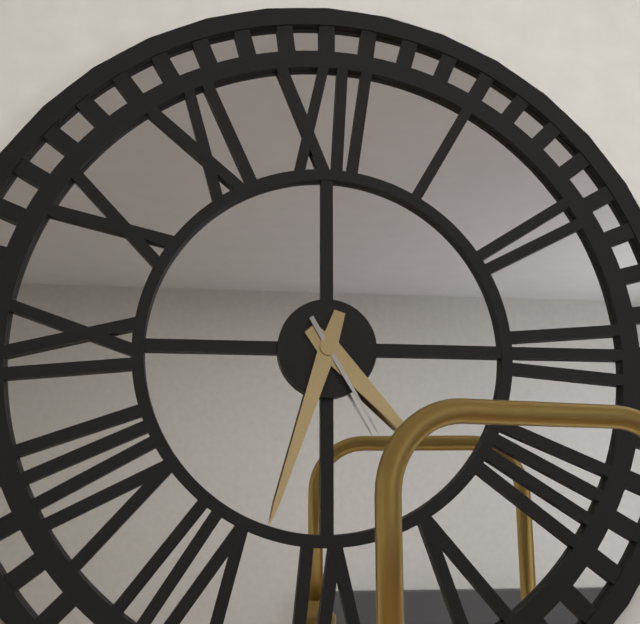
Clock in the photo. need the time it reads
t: 4:33:25
